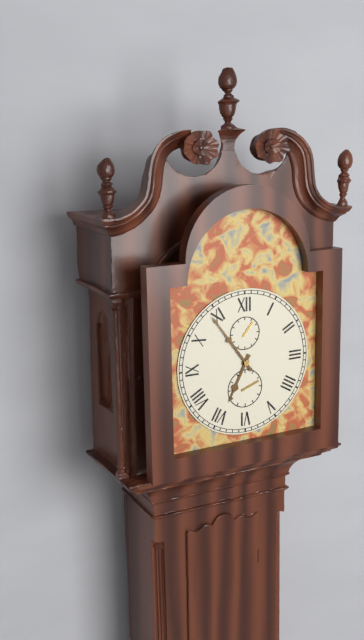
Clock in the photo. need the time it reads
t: 6:54
